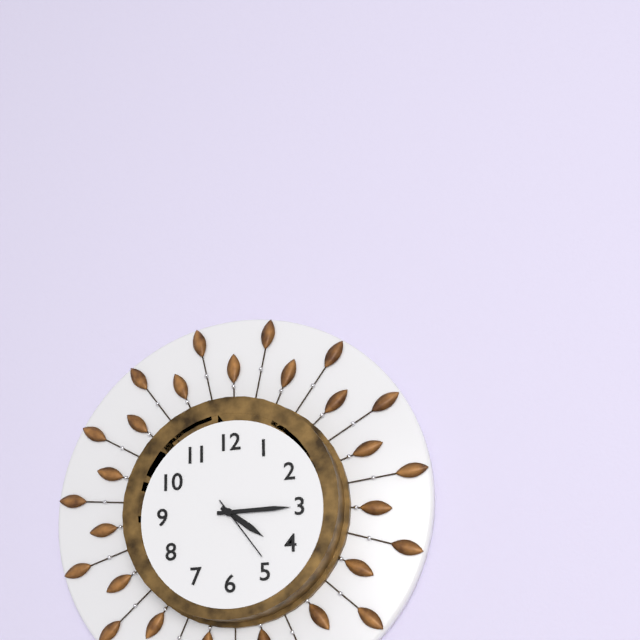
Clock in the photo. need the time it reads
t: 4:15:24
